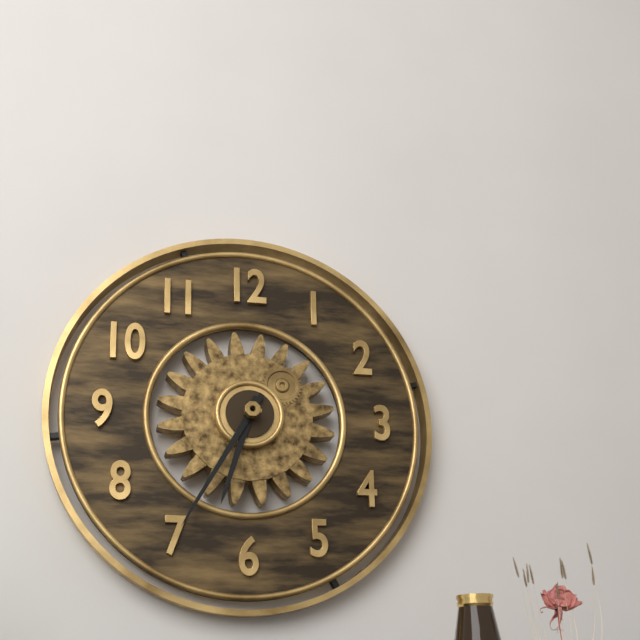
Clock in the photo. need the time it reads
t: 6:35
